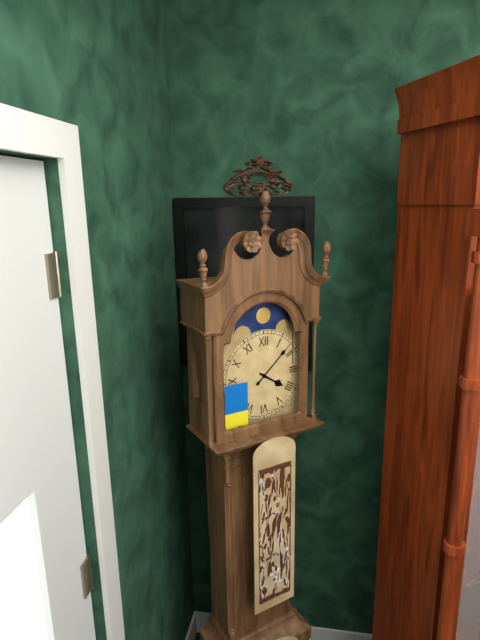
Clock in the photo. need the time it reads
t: 4:08
